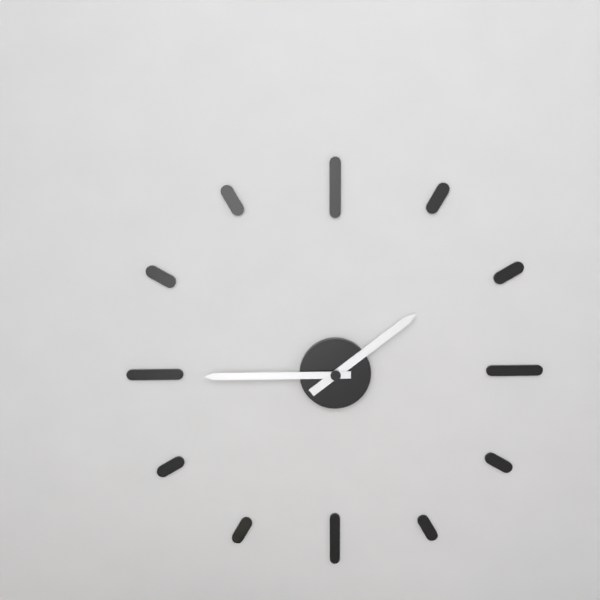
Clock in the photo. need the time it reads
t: 1:45
